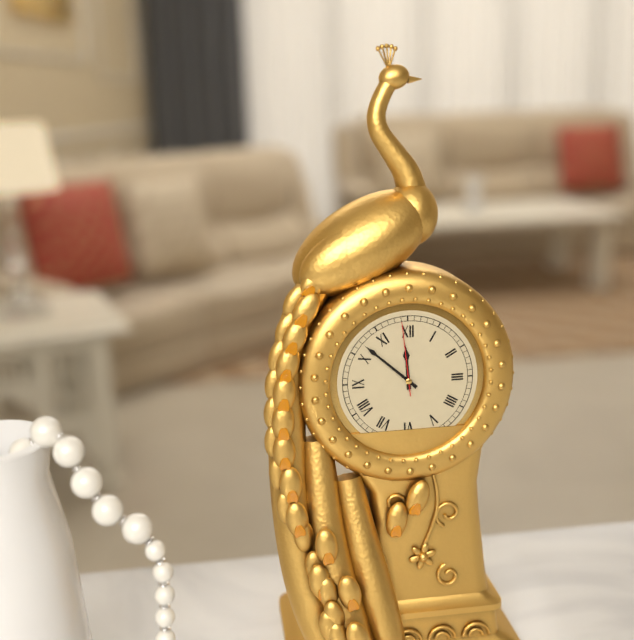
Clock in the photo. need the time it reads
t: 11:52:59
